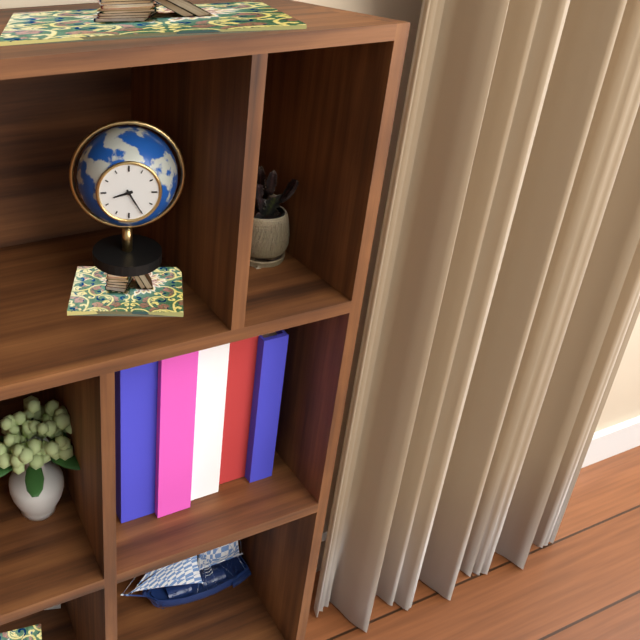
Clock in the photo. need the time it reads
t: 8:25
